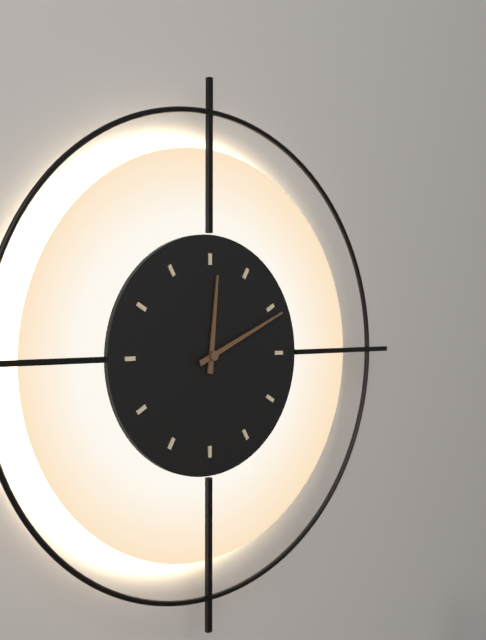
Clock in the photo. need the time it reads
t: 12:11
